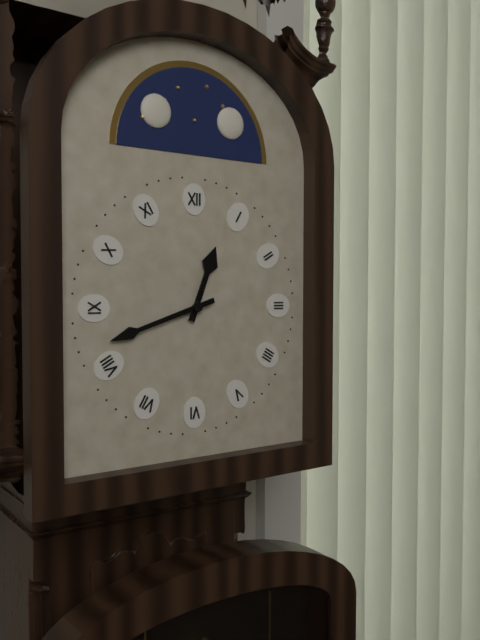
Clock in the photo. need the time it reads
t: 12:42
